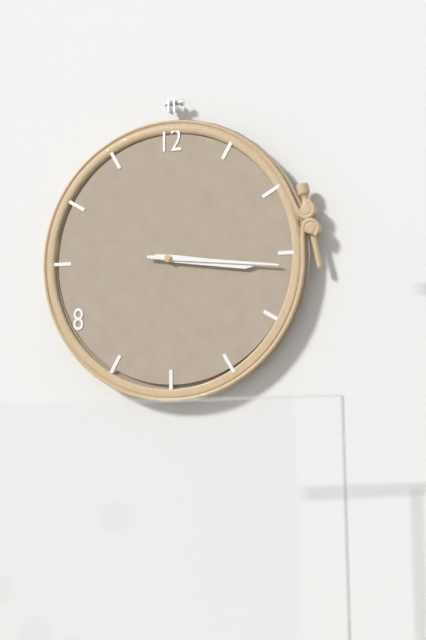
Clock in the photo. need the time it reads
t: 3:16
